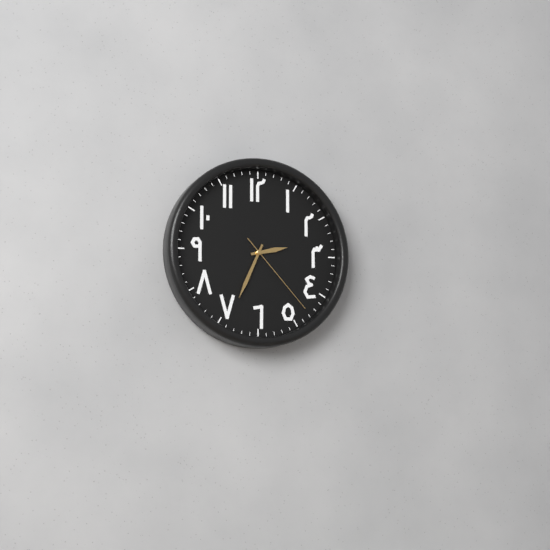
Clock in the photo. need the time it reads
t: 2:34:23
